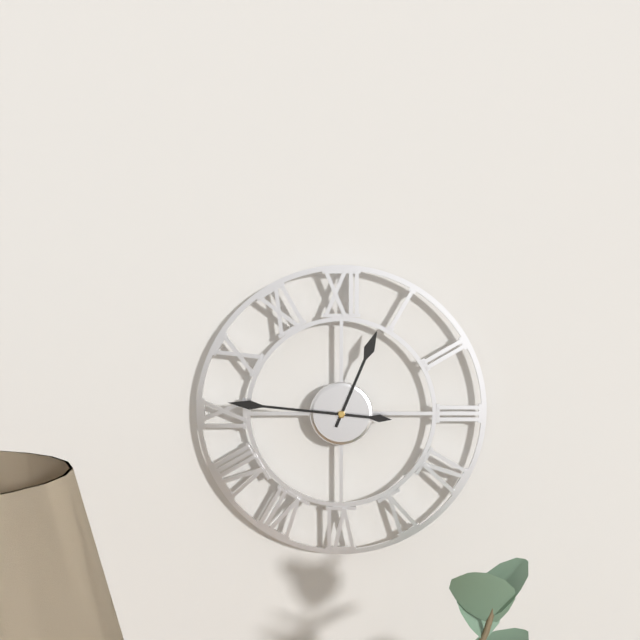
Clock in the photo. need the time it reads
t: 12:46
